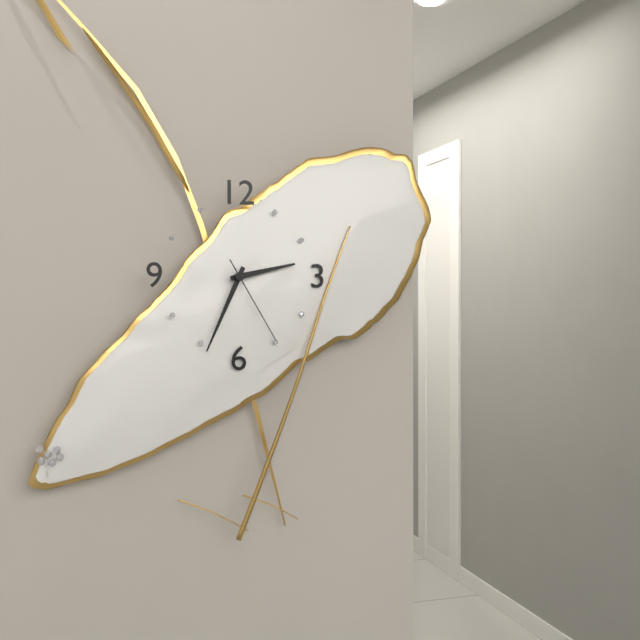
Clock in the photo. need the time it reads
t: 2:34:25
